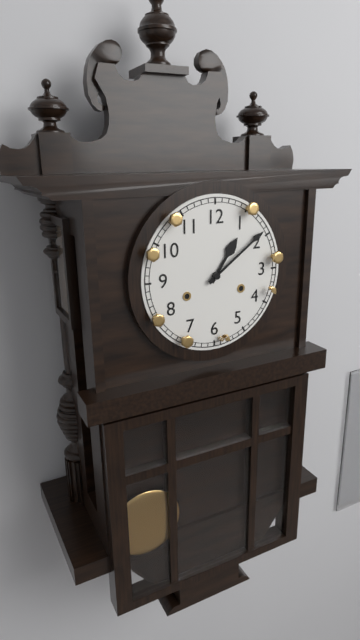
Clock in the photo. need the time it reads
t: 1:09
